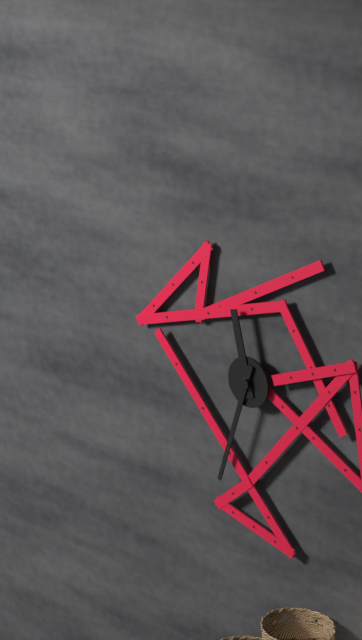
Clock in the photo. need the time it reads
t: 11:33
